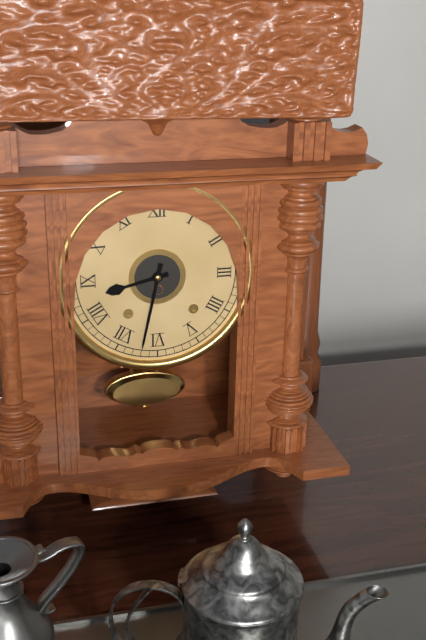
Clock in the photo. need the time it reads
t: 8:32
